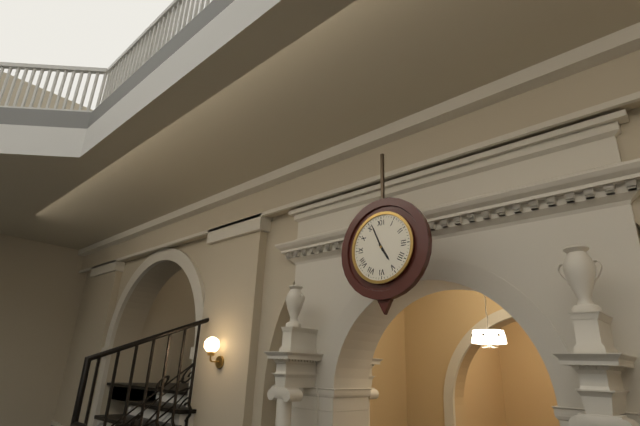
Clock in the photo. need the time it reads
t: 4:56
